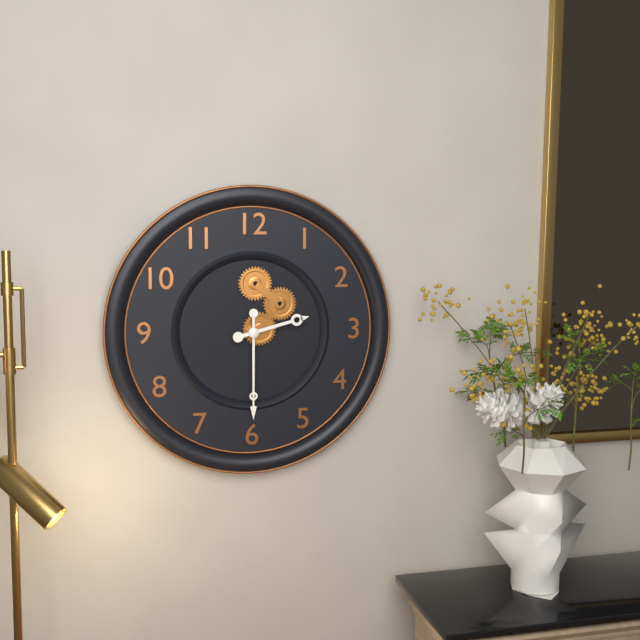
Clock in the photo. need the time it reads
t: 2:30
